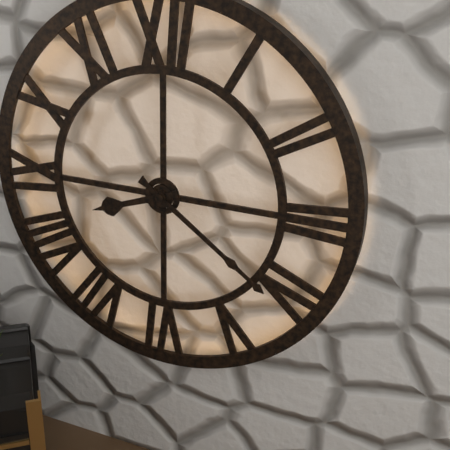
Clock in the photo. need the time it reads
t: 8:21
